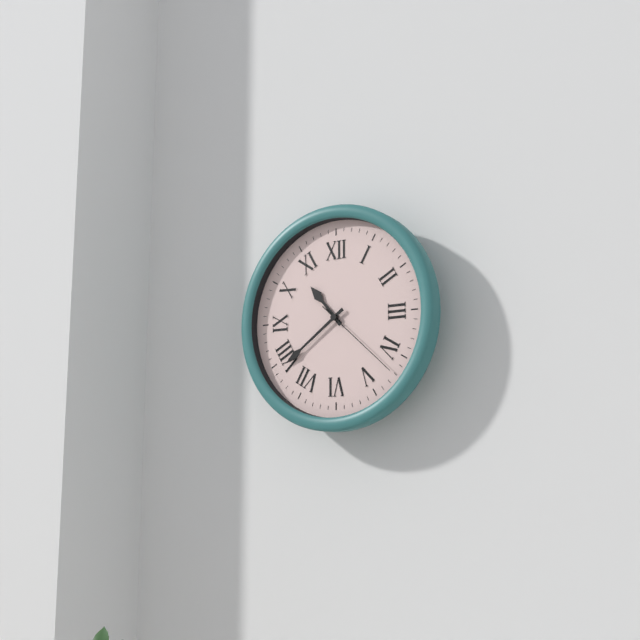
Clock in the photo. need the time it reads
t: 10:39:22
